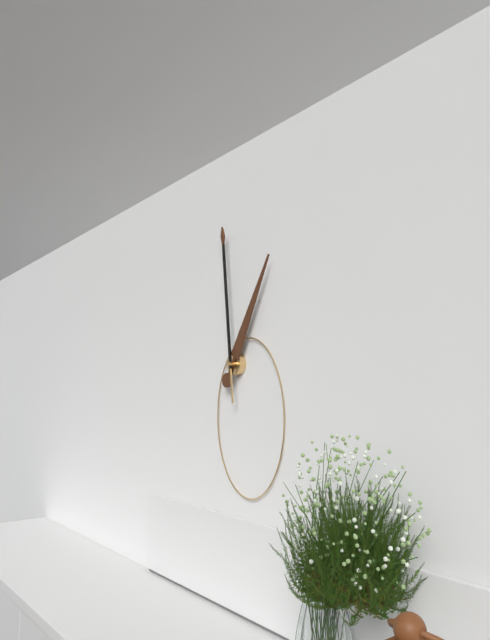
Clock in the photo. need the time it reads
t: 12:59
